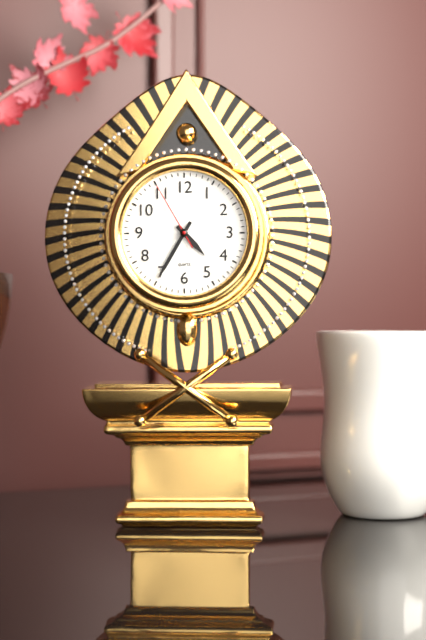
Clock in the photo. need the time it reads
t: 4:35:55
